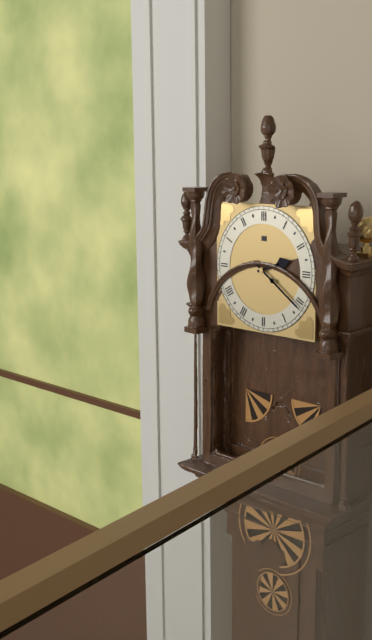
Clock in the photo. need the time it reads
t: 2:21
